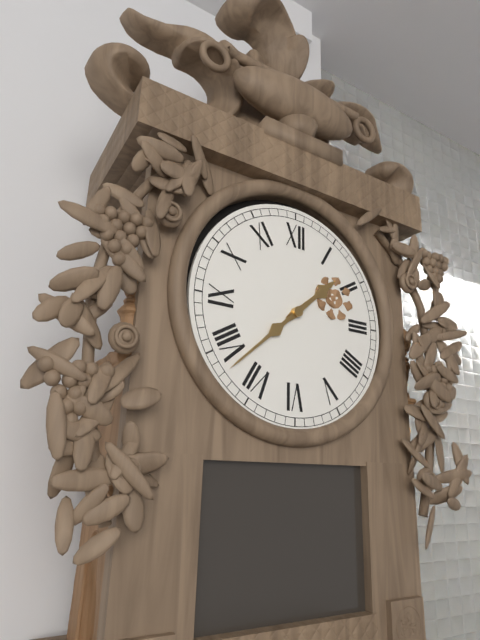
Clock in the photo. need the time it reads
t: 1:38
